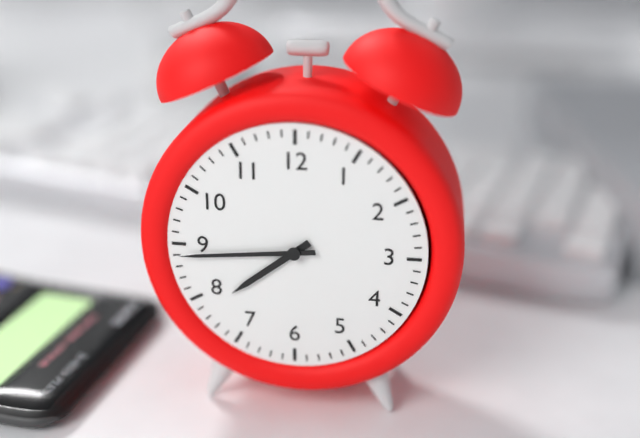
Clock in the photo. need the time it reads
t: 7:44
